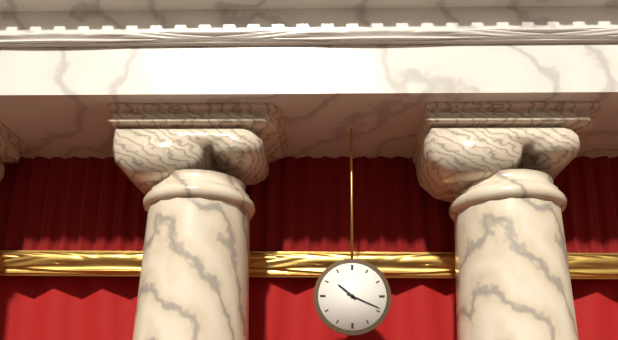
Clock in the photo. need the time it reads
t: 10:19
